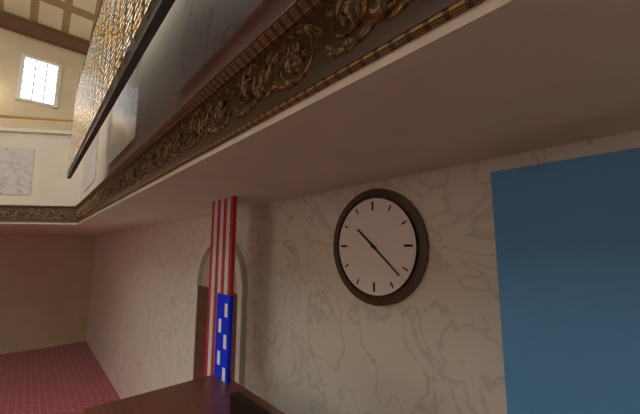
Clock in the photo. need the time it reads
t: 10:22
